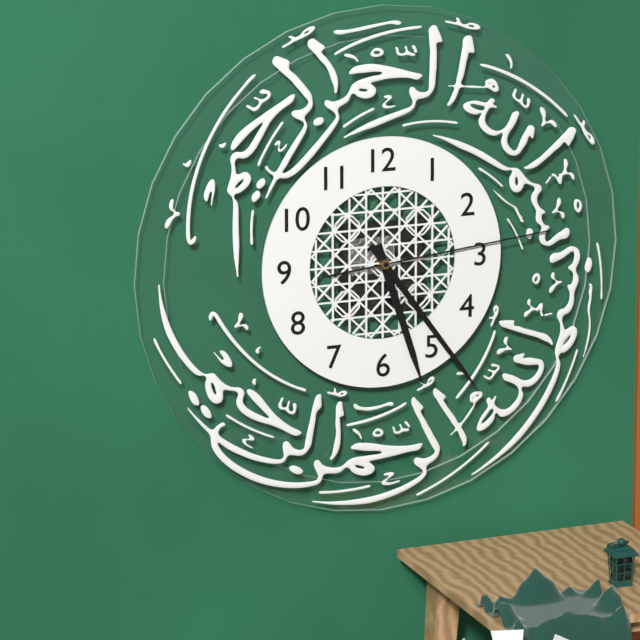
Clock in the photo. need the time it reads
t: 5:24:14
